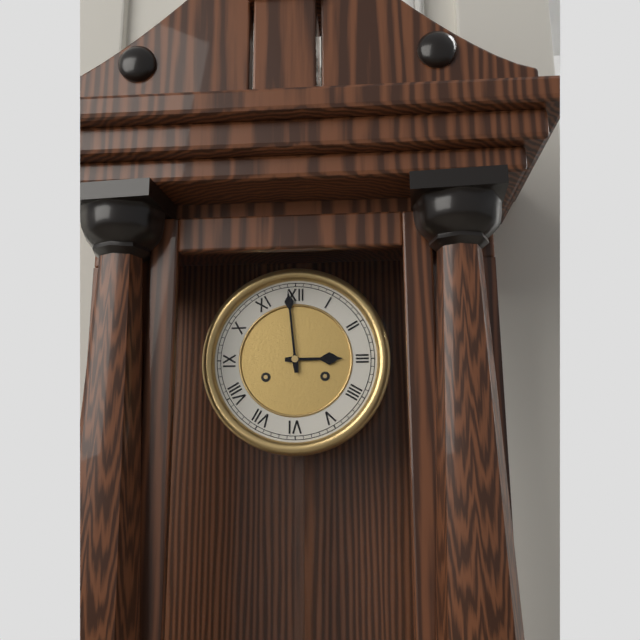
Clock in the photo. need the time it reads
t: 2:59
